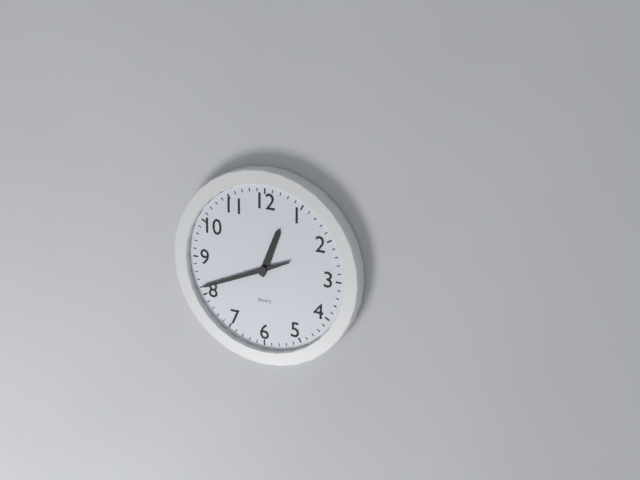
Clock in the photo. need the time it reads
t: 12:41
